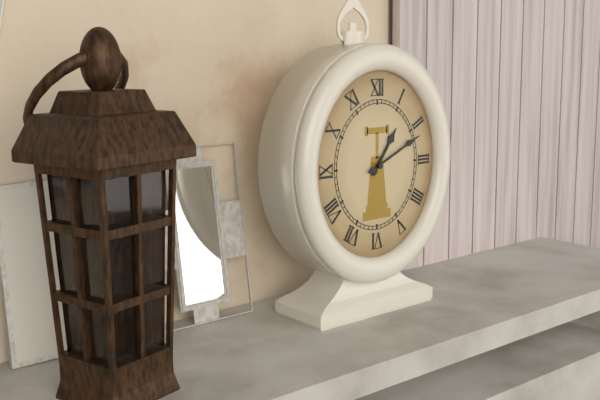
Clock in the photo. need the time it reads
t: 1:11
